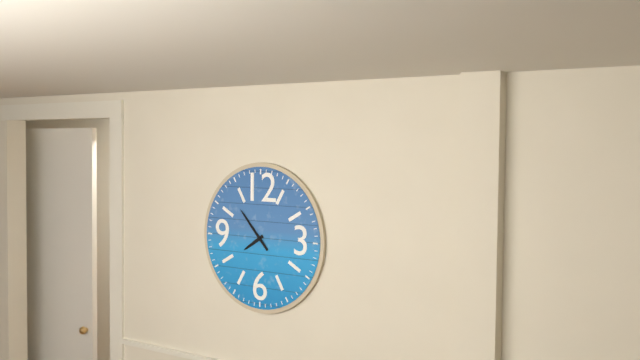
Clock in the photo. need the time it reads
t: 7:53
